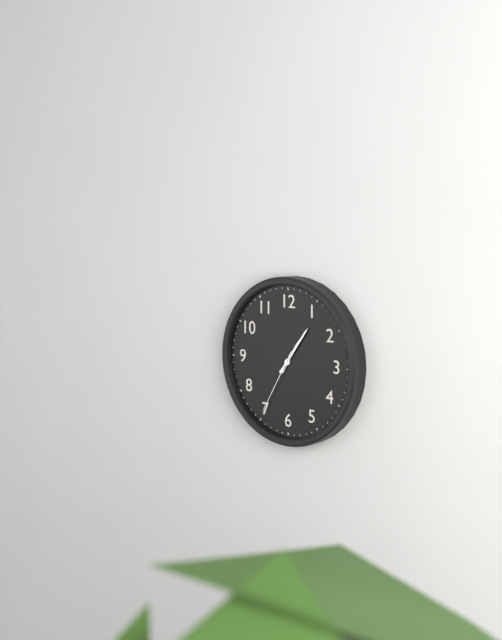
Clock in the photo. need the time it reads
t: 1:06:35
